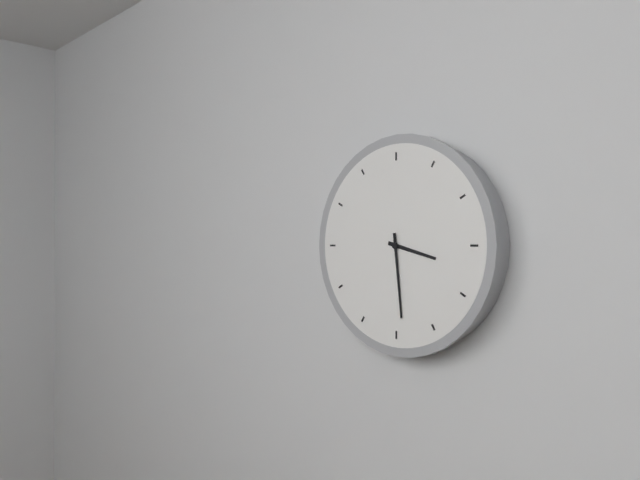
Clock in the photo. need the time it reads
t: 3:29
